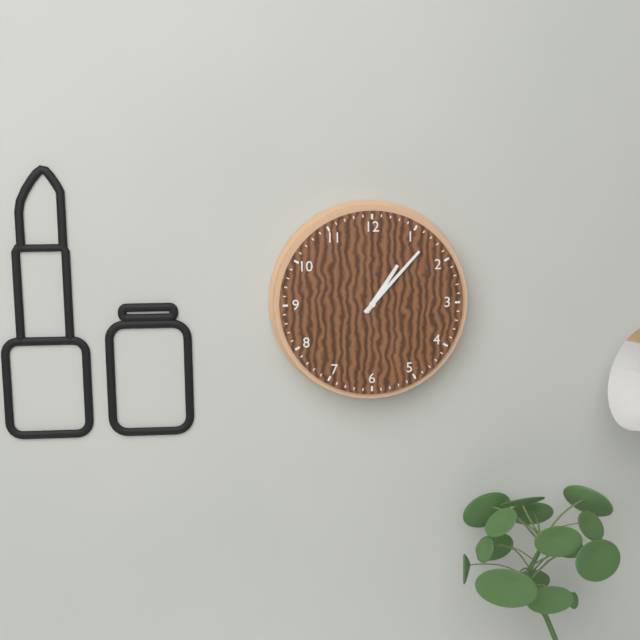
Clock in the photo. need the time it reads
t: 1:07
